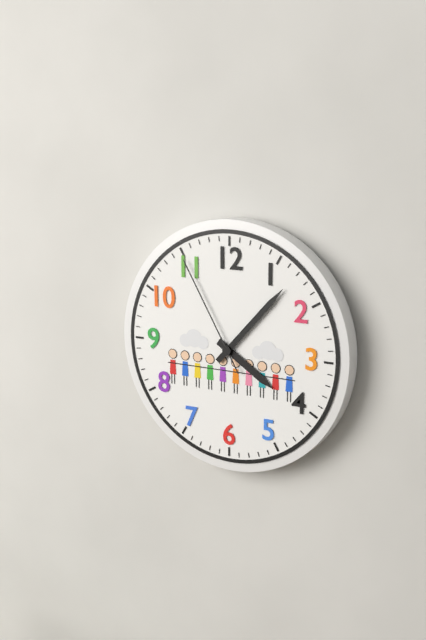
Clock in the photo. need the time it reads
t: 4:07:55
